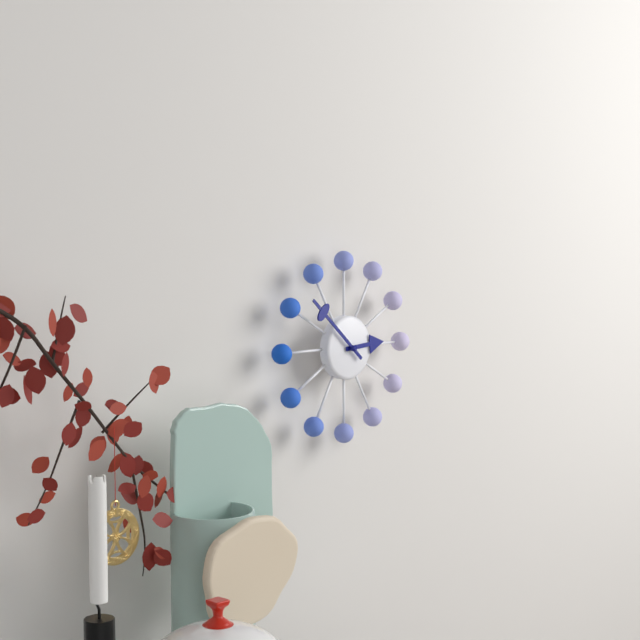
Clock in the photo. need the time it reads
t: 2:52
